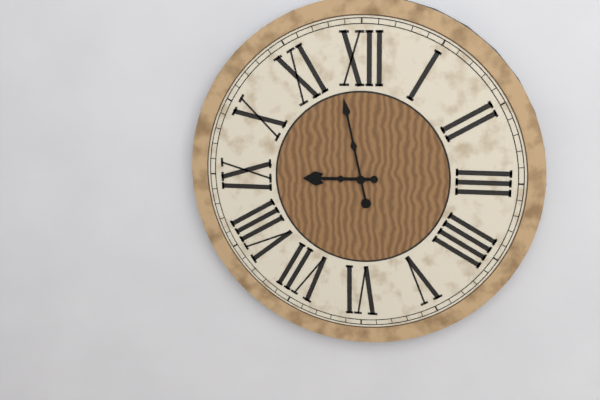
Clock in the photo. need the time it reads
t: 8:58
